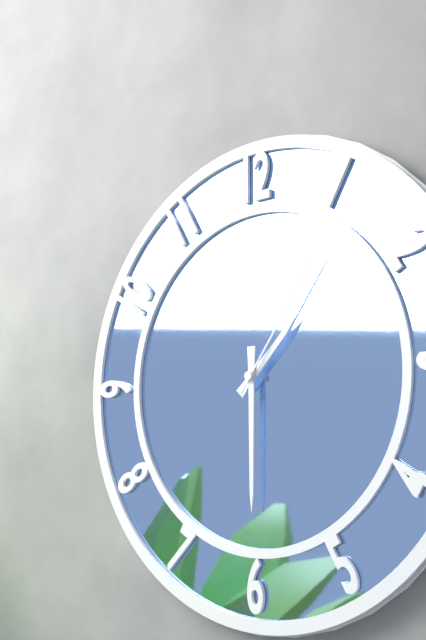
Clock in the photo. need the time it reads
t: 1:30:06
